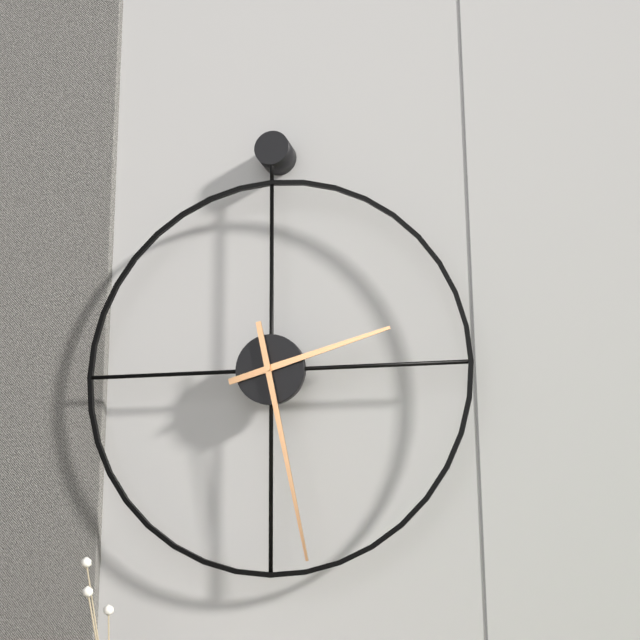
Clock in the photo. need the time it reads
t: 2:28
